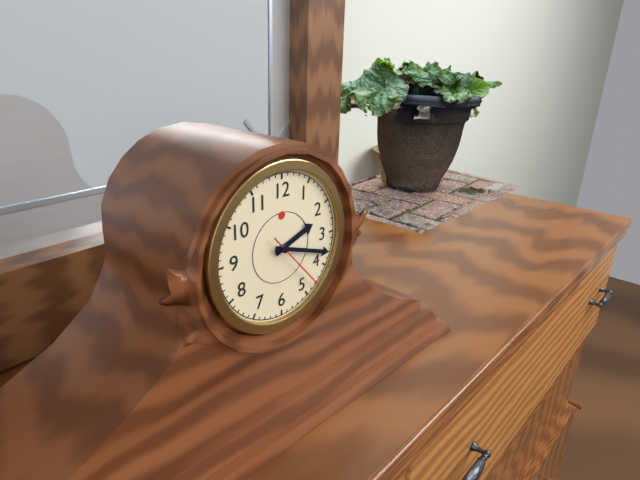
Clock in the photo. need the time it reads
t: 2:18:23
